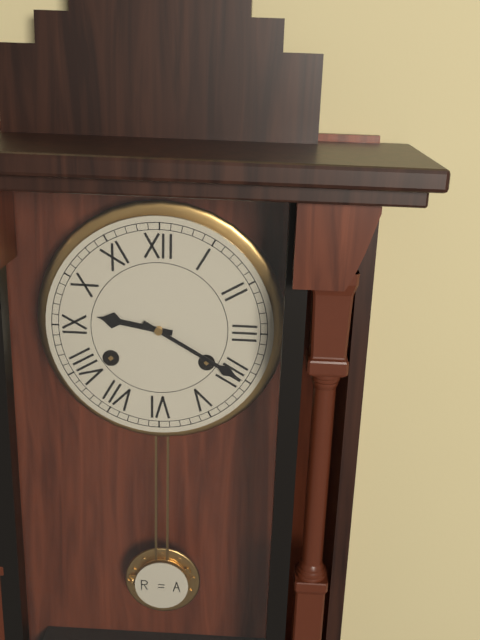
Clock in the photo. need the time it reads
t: 9:20
